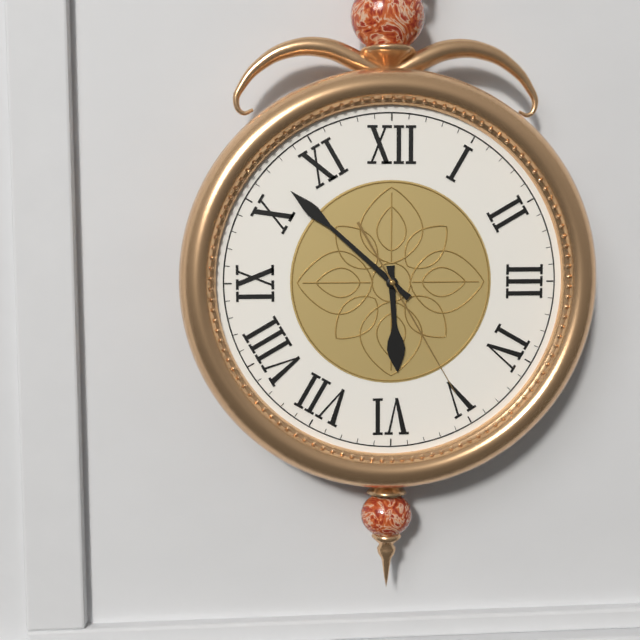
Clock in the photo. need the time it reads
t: 5:52:25
